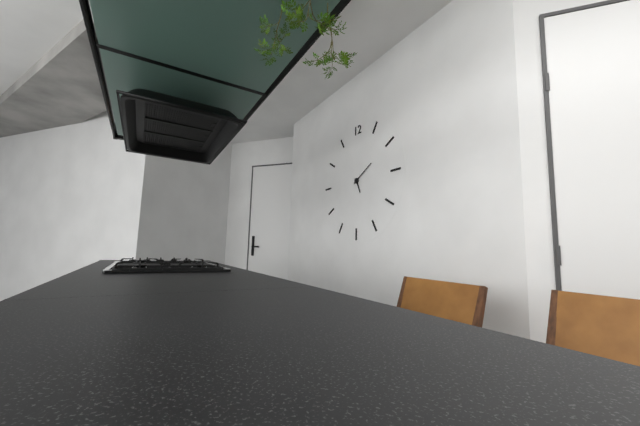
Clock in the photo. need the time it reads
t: 5:10
